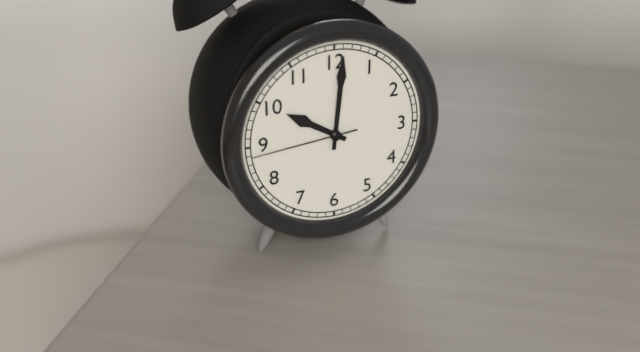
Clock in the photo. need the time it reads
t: 10:01:44
